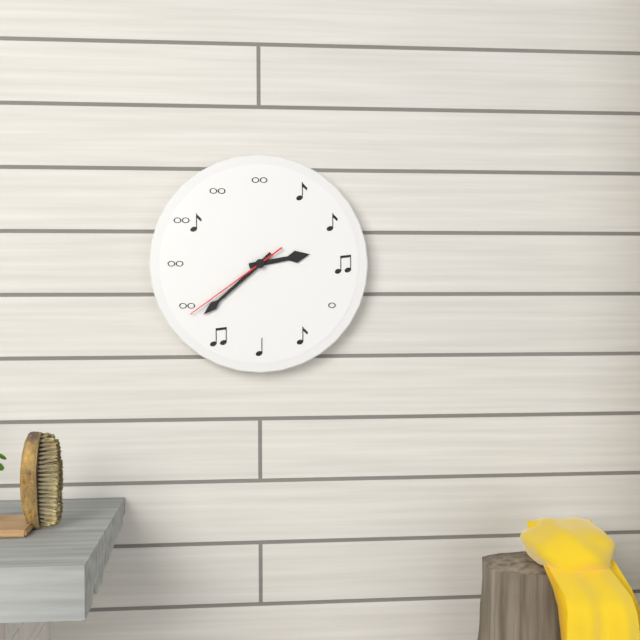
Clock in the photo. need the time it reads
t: 2:38:39
